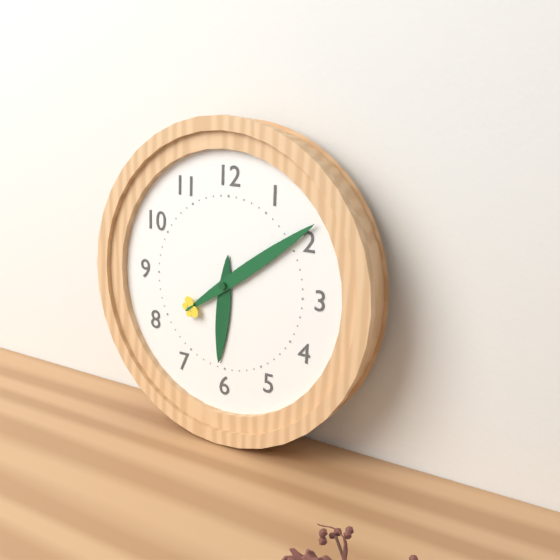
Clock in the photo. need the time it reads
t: 6:09
